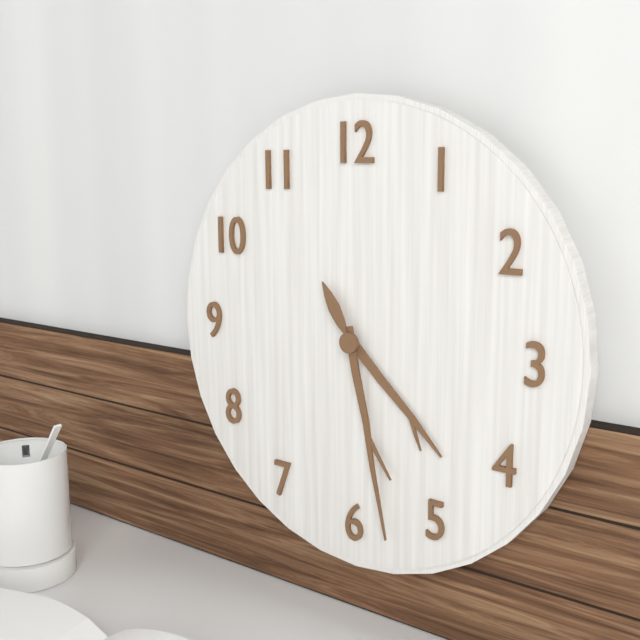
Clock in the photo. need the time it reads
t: 4:28:55
